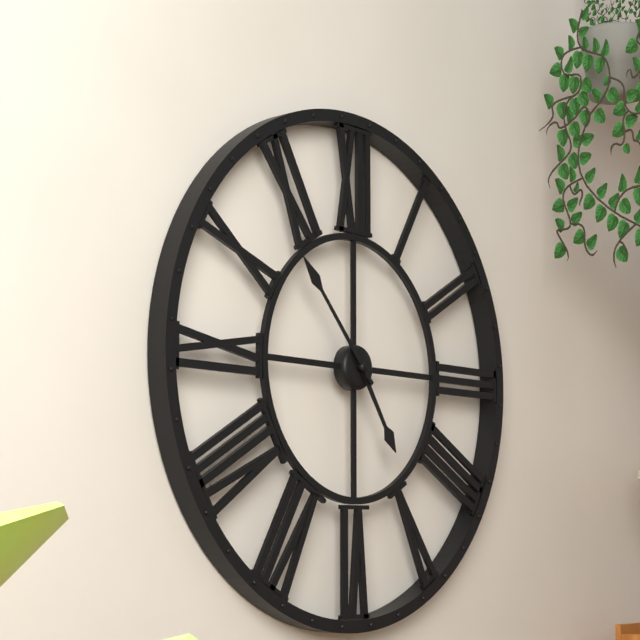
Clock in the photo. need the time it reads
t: 4:53
